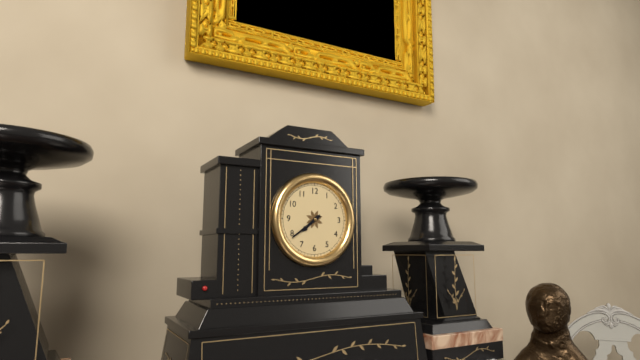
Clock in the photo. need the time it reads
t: 7:39
